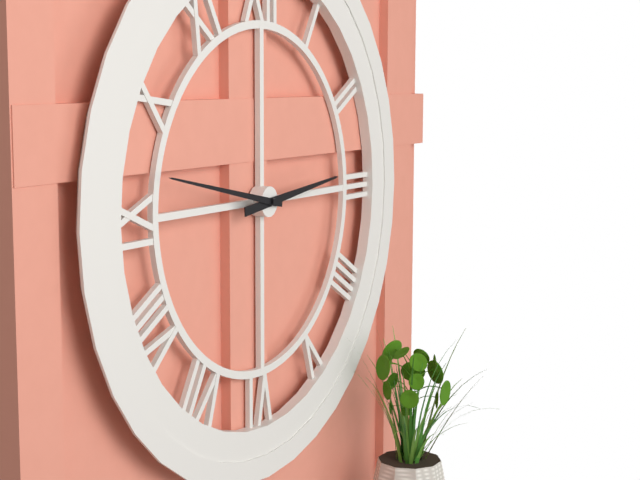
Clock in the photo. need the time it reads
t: 2:47
